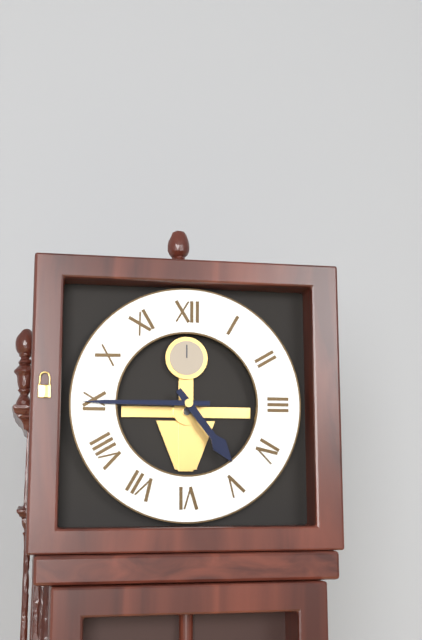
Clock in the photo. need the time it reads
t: 4:45
